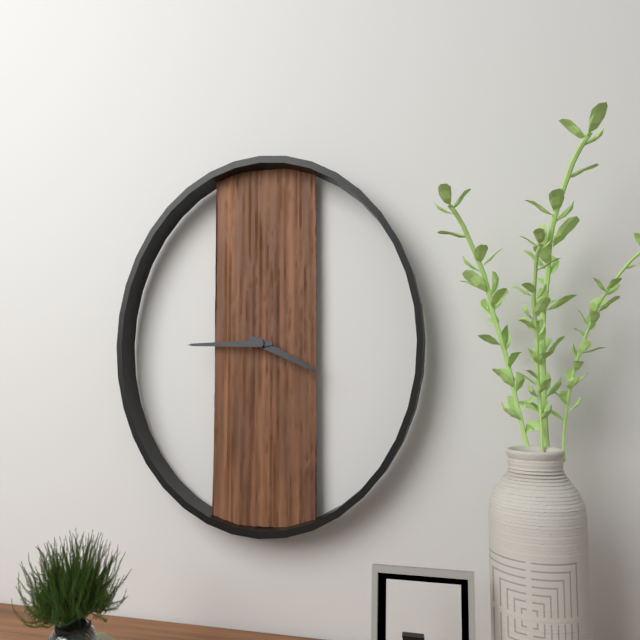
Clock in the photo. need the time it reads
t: 3:45
